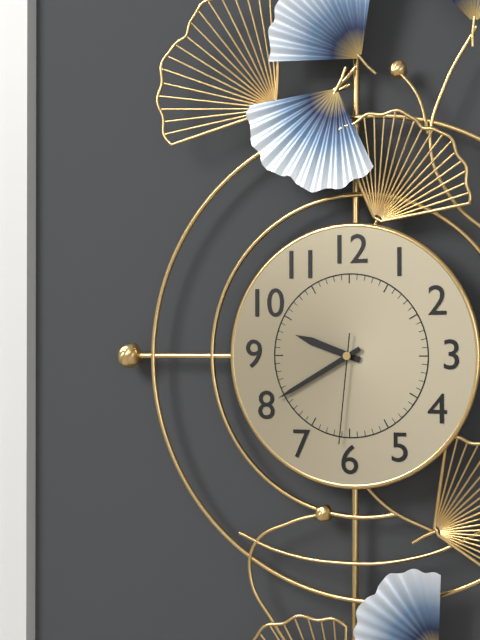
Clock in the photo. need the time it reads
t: 9:40:31
